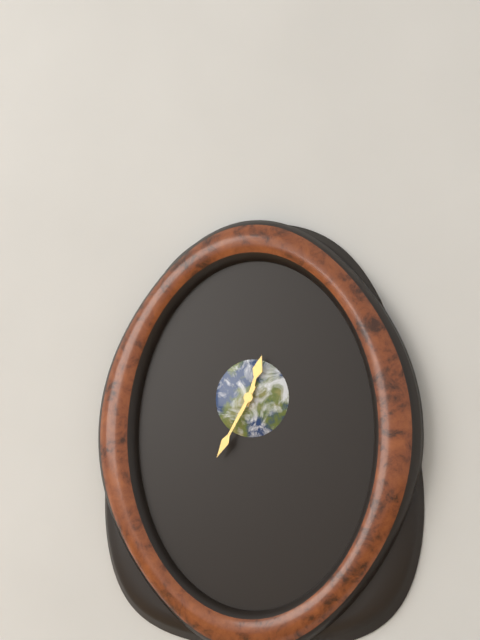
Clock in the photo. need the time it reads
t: 12:35
